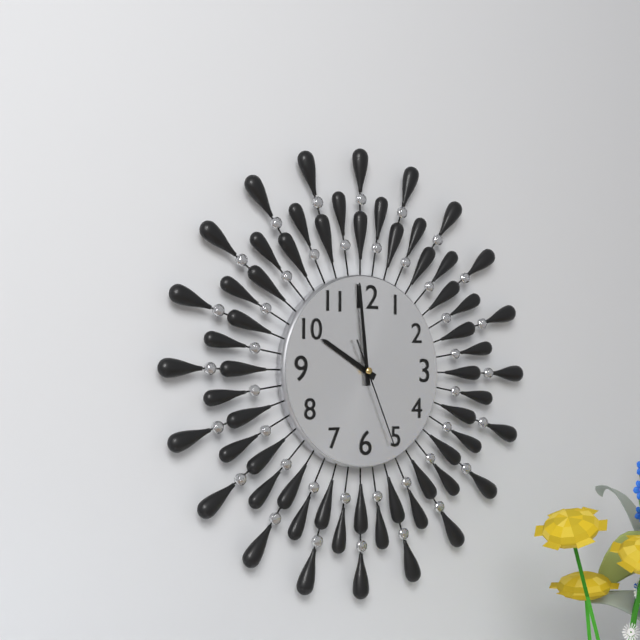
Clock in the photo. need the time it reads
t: 9:59:26
